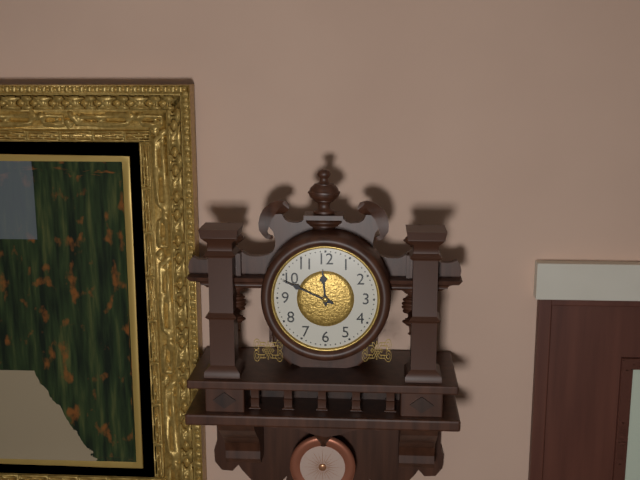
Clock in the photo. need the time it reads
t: 11:49
